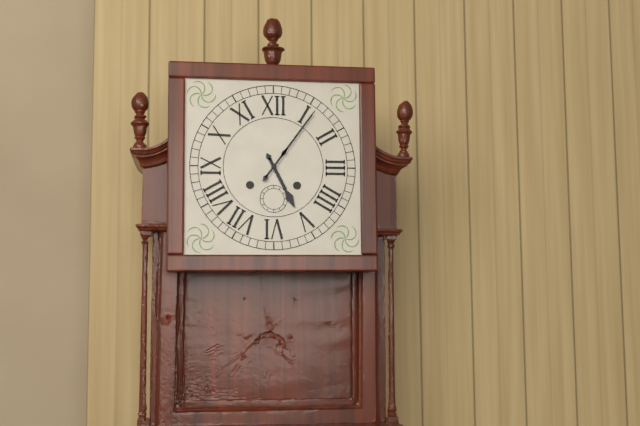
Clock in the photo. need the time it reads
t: 5:06
